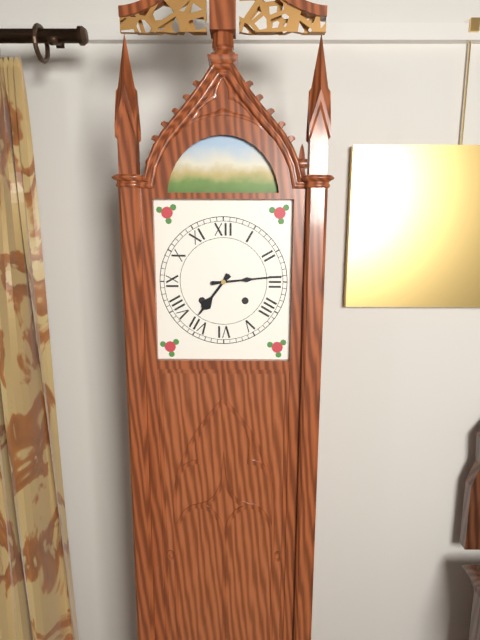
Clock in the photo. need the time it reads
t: 7:14
